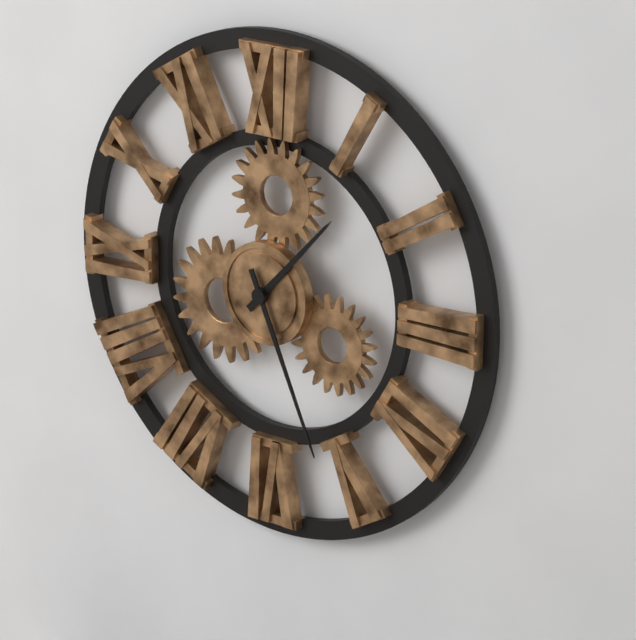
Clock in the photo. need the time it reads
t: 1:26
